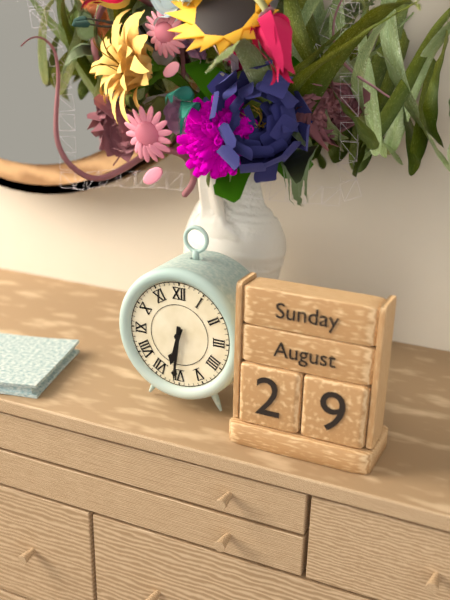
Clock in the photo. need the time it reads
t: 6:31
